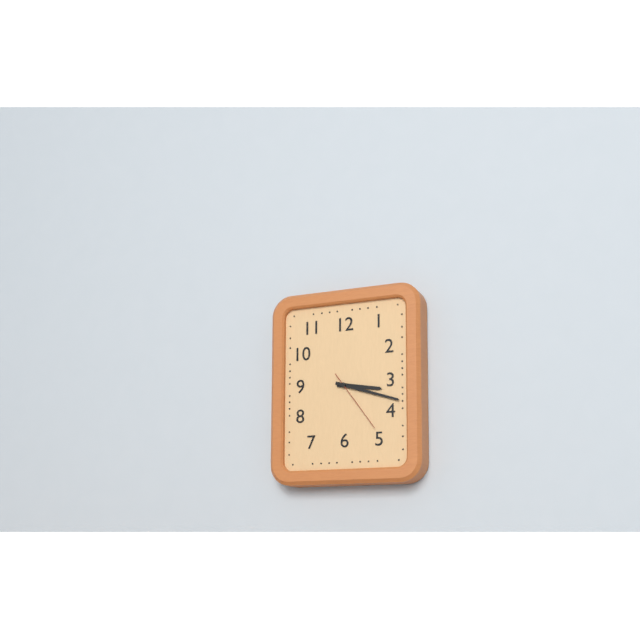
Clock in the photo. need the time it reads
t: 3:18:24
